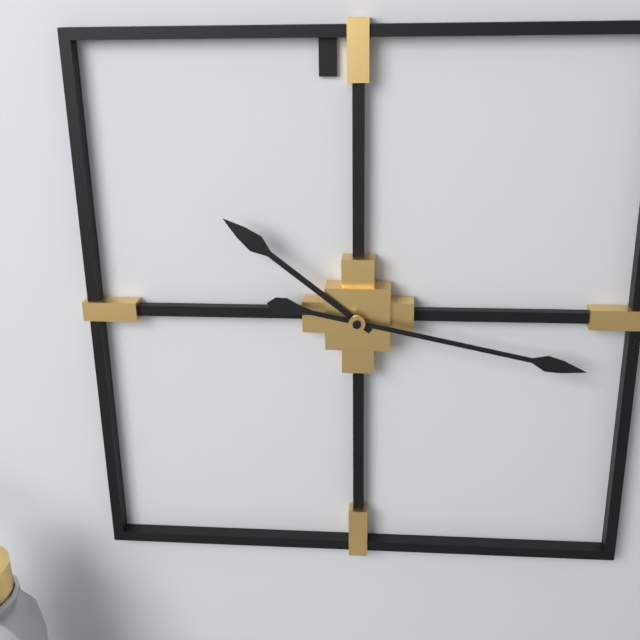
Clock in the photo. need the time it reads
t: 10:17
